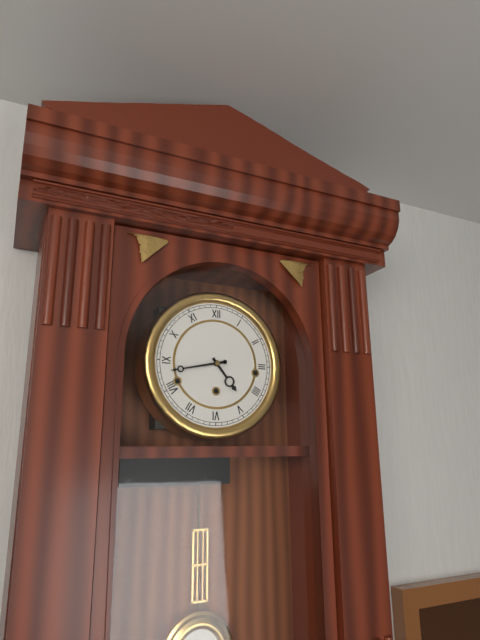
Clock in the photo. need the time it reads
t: 4:43
